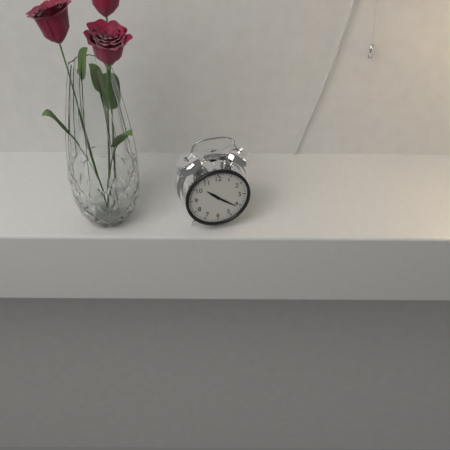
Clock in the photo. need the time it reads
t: 10:21
